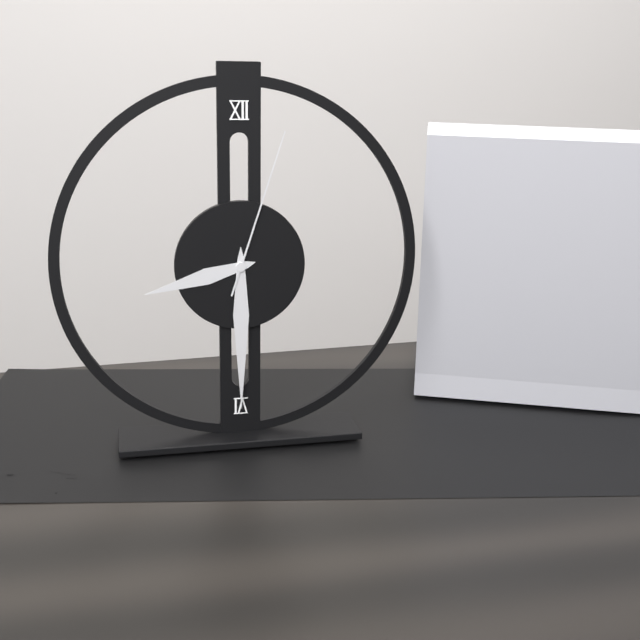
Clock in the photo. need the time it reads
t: 8:30:03
